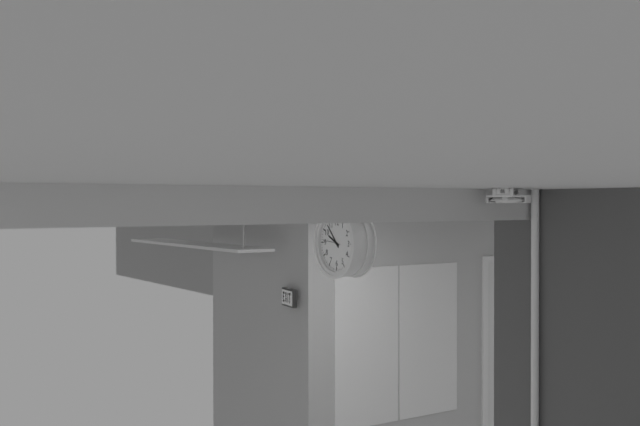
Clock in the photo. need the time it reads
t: 9:53
